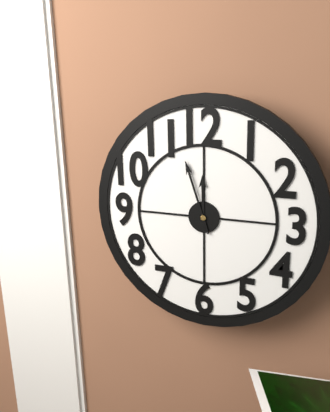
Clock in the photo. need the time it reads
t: 11:57
